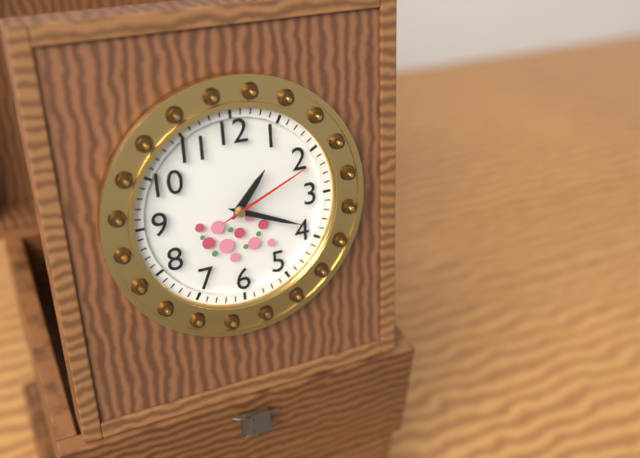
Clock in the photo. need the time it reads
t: 1:19:11
